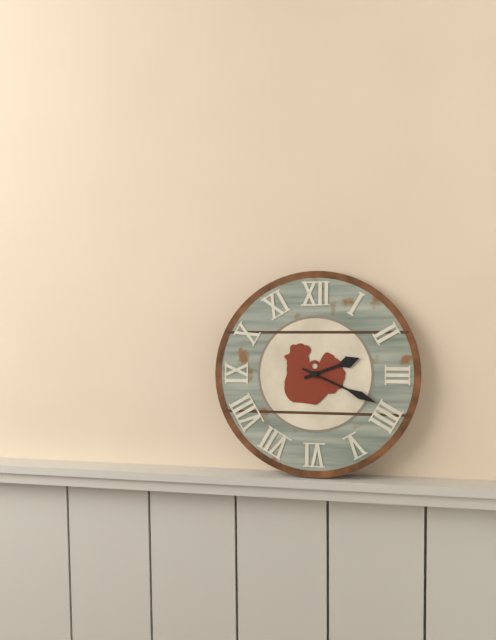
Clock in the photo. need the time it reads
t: 2:19
